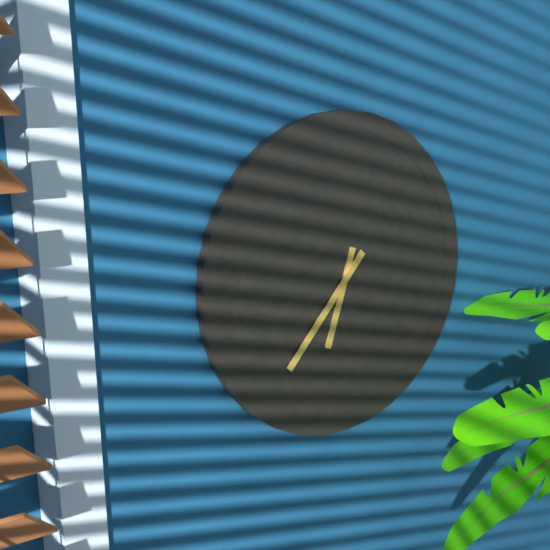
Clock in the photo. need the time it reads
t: 6:37
